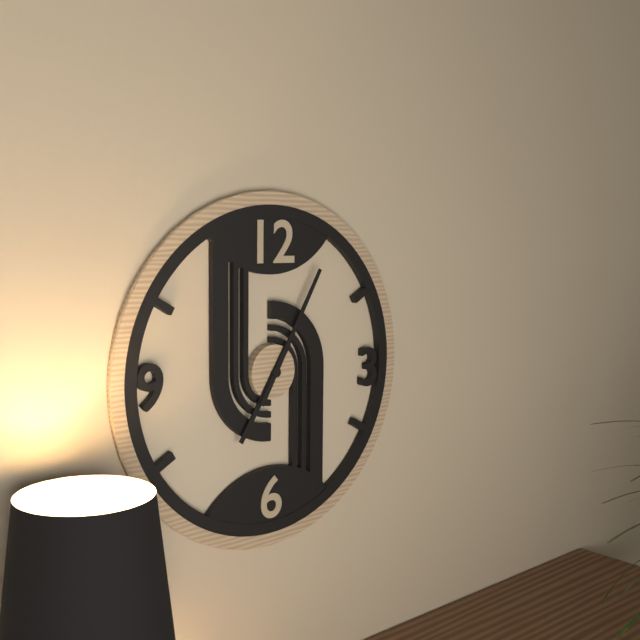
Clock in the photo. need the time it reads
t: 7:05
